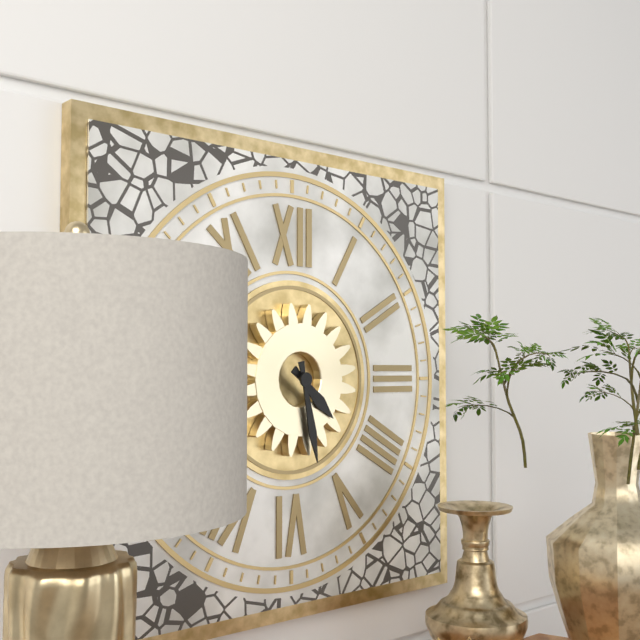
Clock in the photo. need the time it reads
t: 4:28
